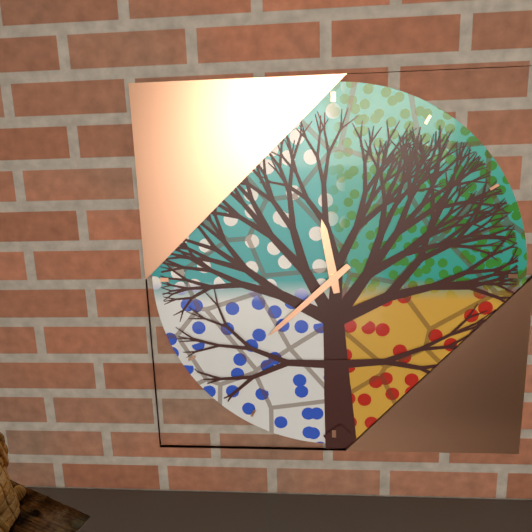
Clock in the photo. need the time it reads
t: 11:38
